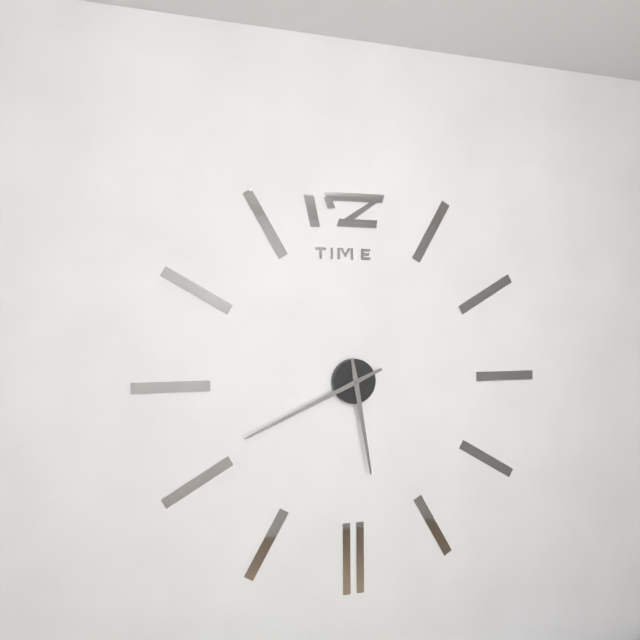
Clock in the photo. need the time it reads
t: 5:41
